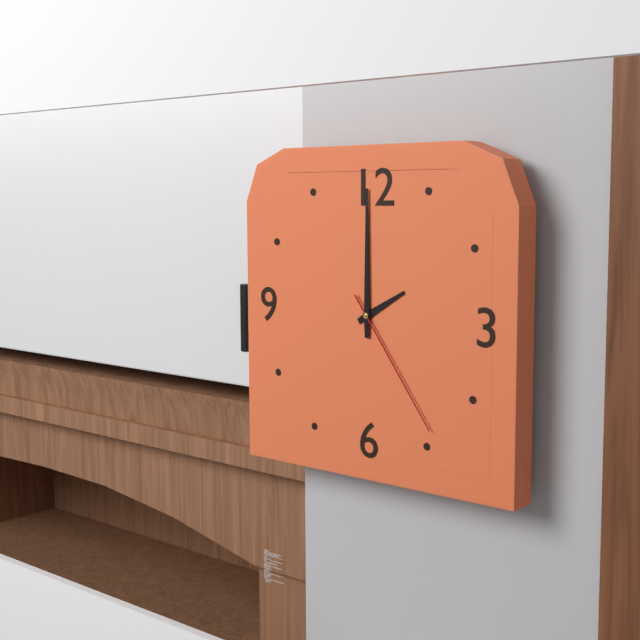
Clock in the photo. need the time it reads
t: 2:00:24
